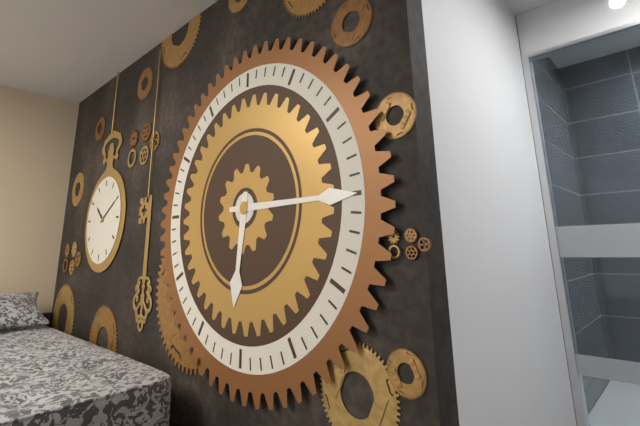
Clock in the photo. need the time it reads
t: 6:15
